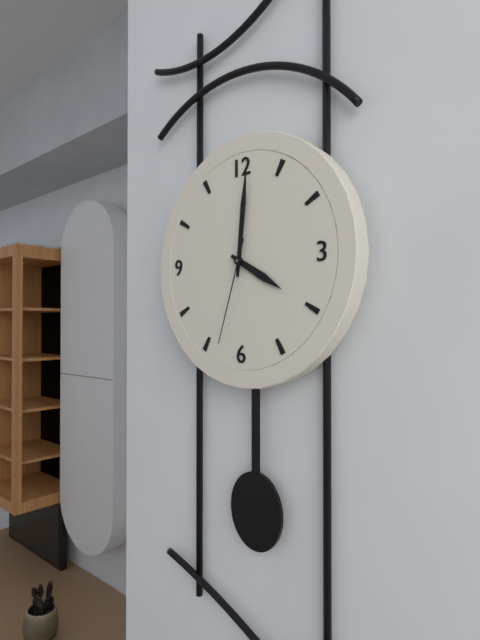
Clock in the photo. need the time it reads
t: 4:01:33
